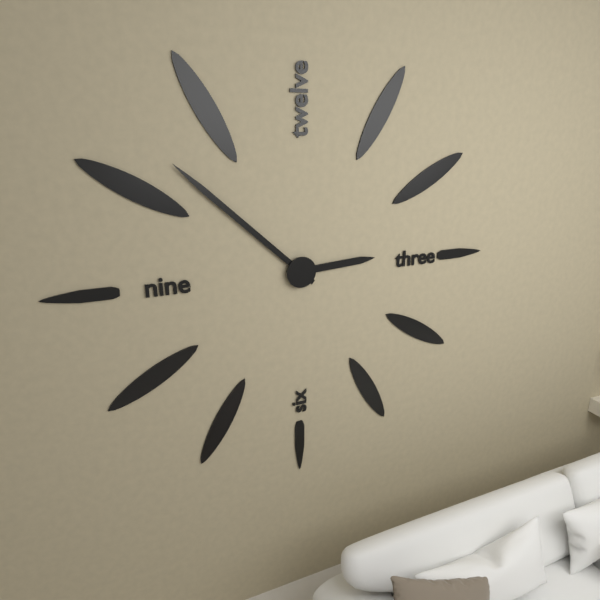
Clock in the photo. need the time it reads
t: 2:52
